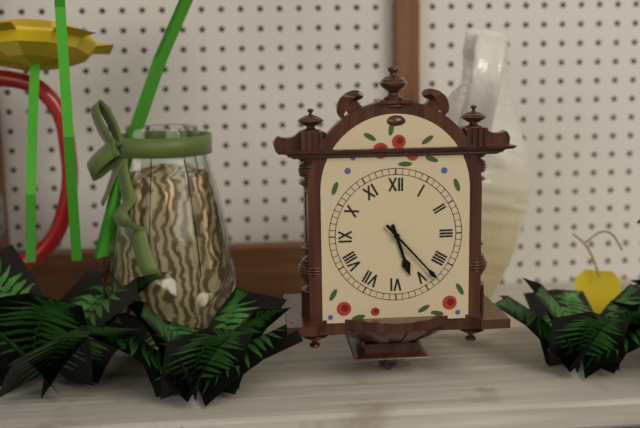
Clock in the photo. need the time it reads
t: 5:23
